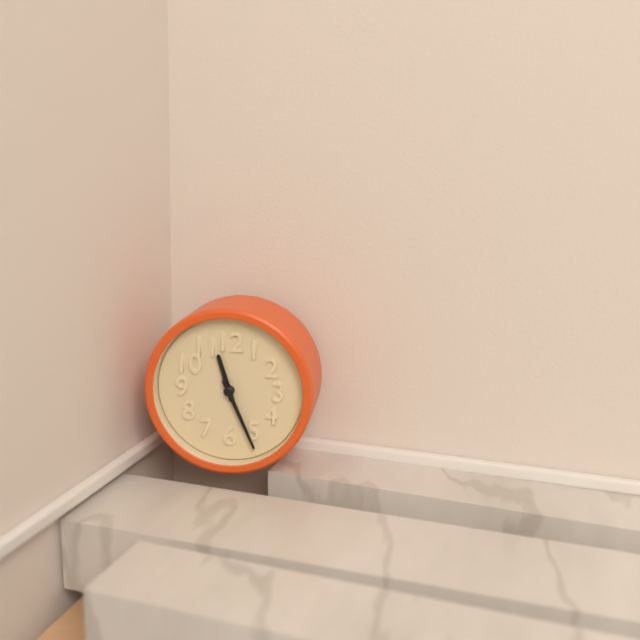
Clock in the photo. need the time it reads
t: 11:26
